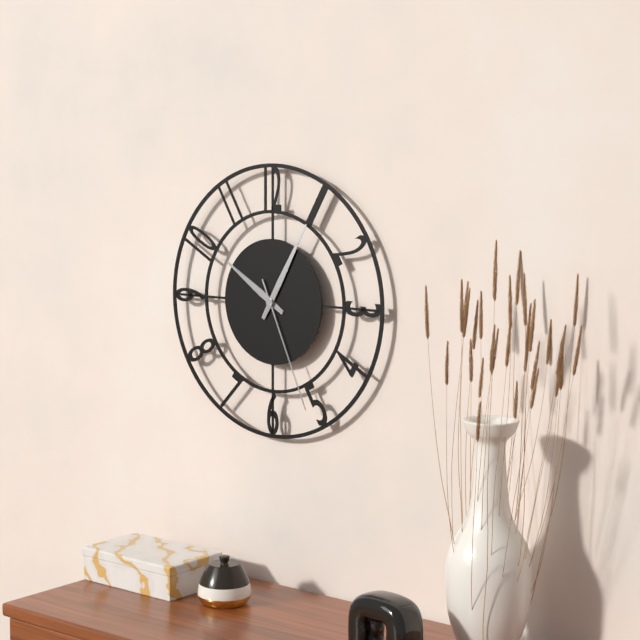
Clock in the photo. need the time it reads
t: 10:05:26
